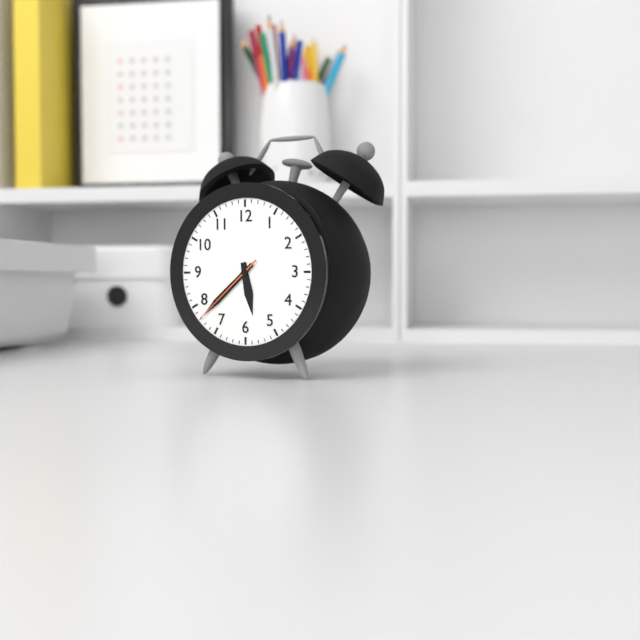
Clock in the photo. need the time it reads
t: 5:38:38
